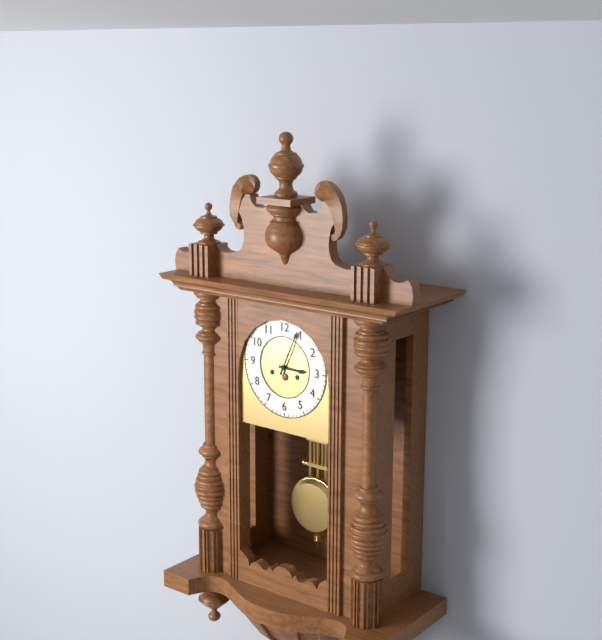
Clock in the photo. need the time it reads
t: 3:04
